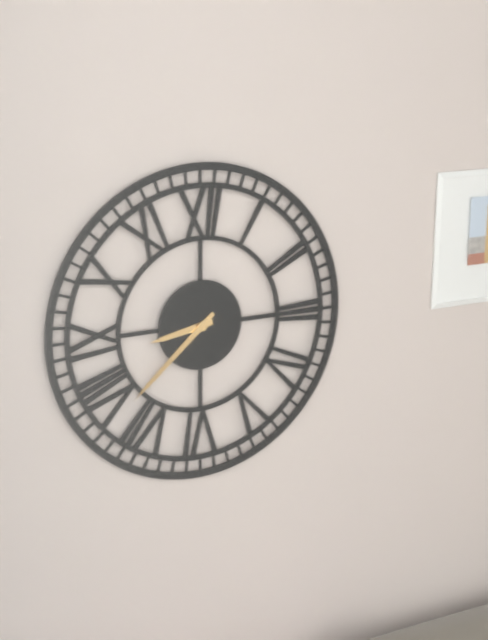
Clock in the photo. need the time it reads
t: 8:38
